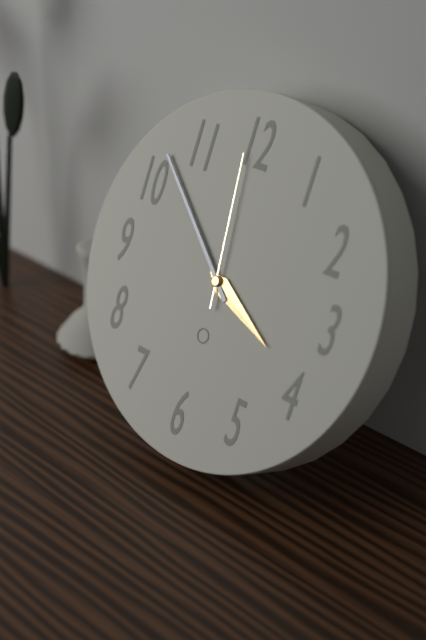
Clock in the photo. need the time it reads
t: 3:52:59
